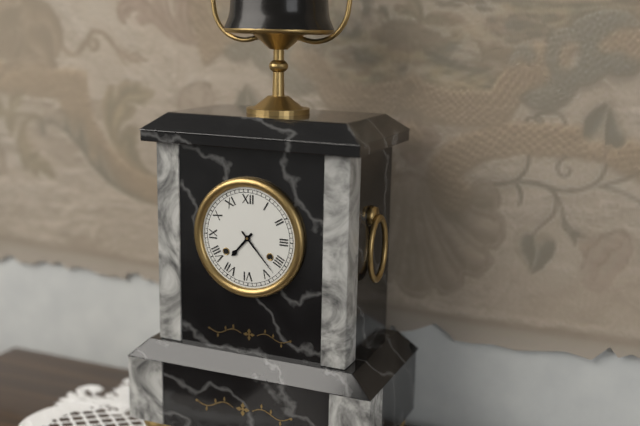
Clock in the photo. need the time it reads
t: 7:23
